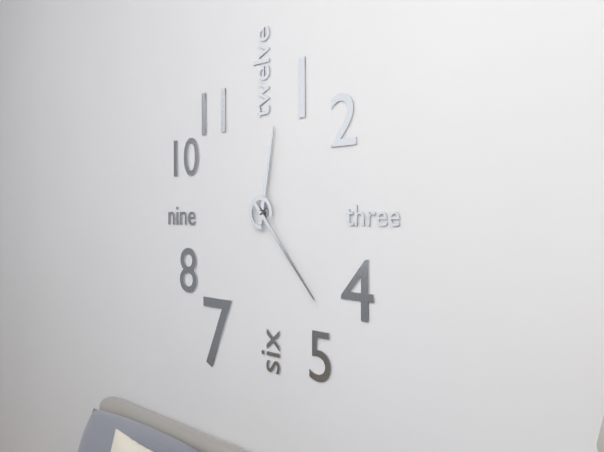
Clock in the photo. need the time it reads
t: 12:23
